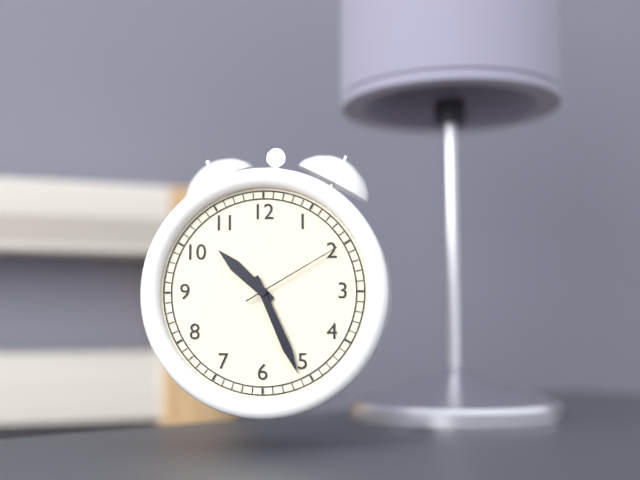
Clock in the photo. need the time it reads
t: 10:26:10
